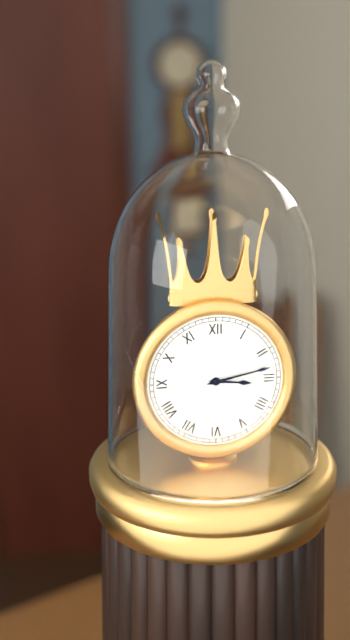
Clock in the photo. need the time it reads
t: 3:13
